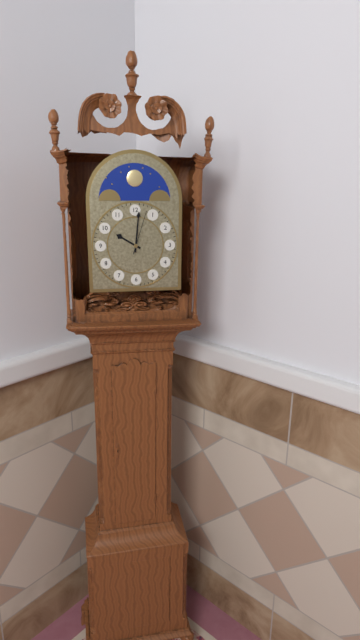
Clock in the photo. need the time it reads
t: 10:01
